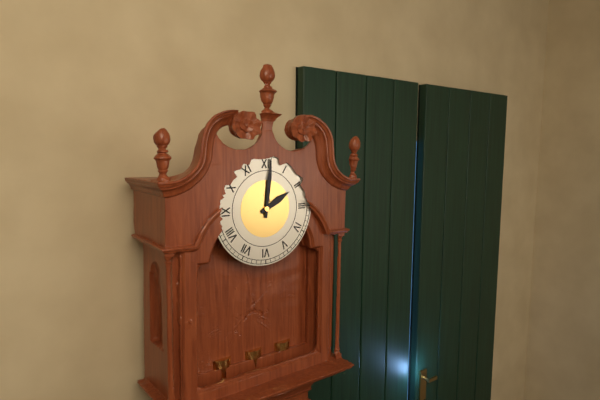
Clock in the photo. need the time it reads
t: 2:01
